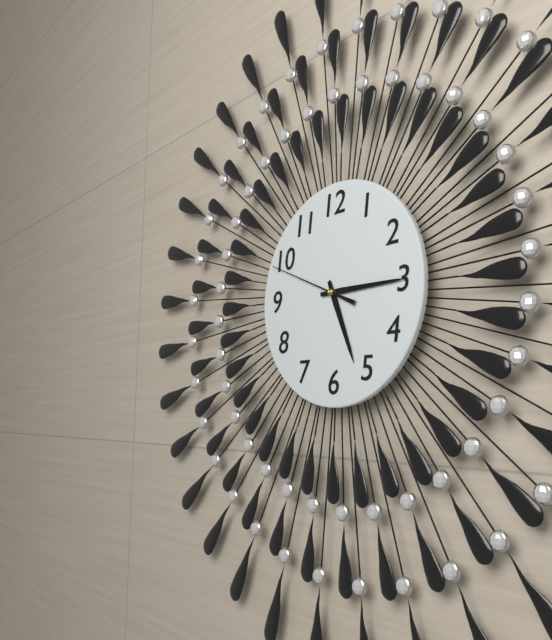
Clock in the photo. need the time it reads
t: 5:15:49
